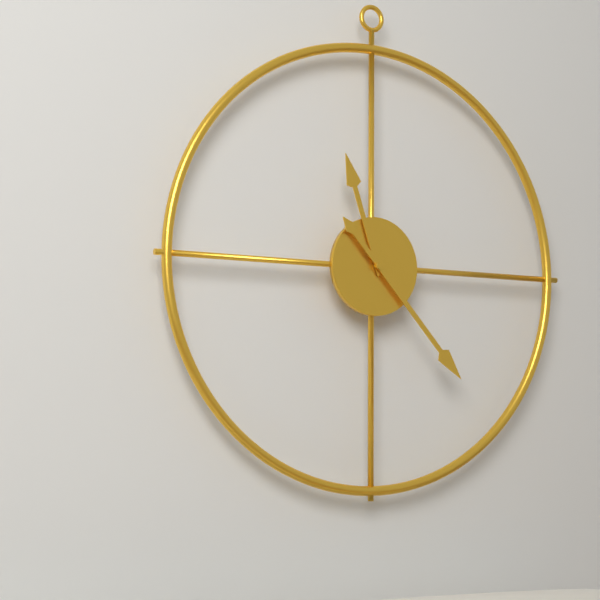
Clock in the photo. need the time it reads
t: 11:23
